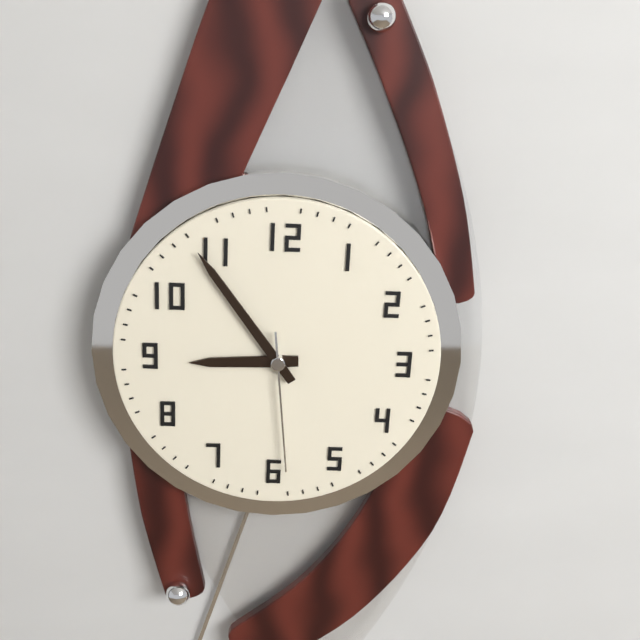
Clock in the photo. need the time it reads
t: 8:54:29
